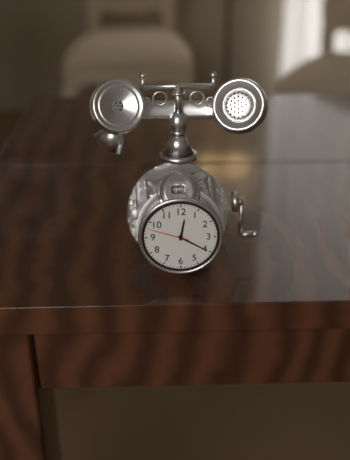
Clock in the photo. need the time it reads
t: 12:20
